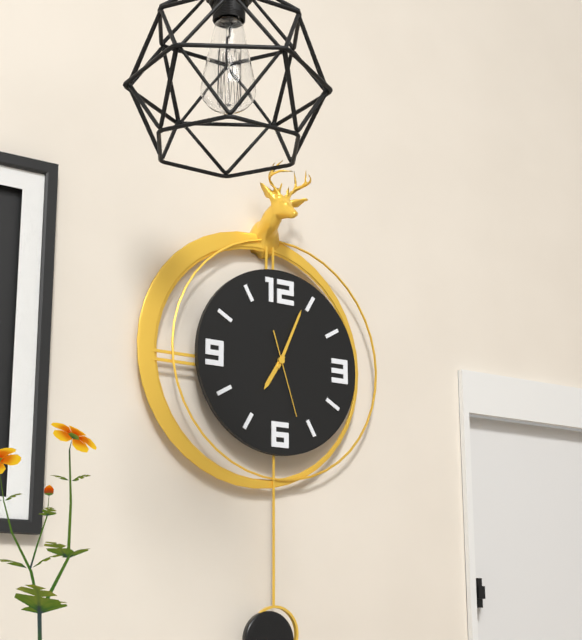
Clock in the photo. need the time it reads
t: 7:04:27
